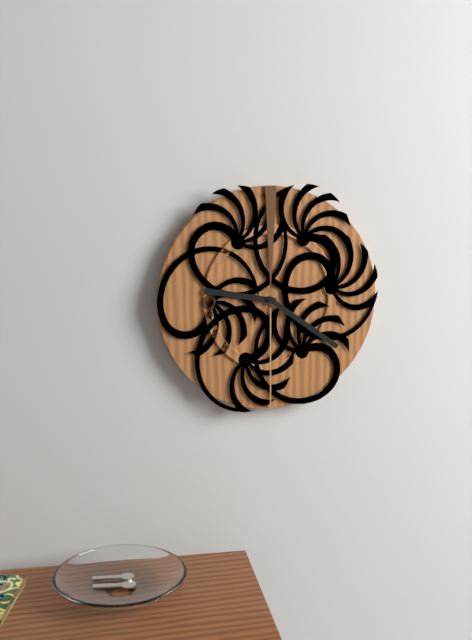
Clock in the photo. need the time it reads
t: 9:21
